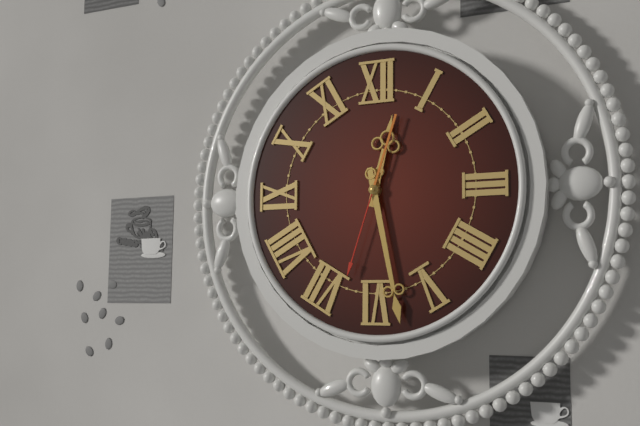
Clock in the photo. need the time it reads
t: 12:28:33
